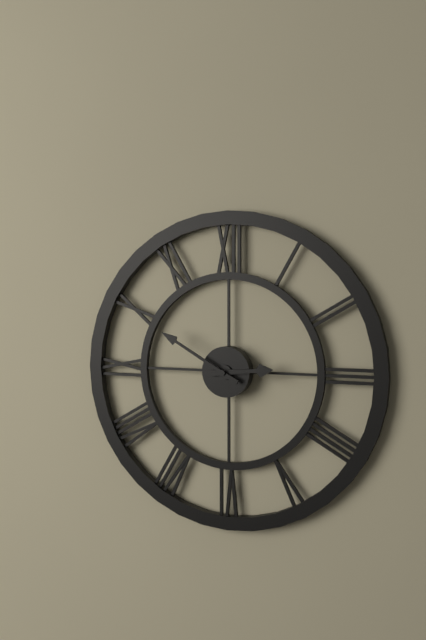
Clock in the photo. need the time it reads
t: 2:50
